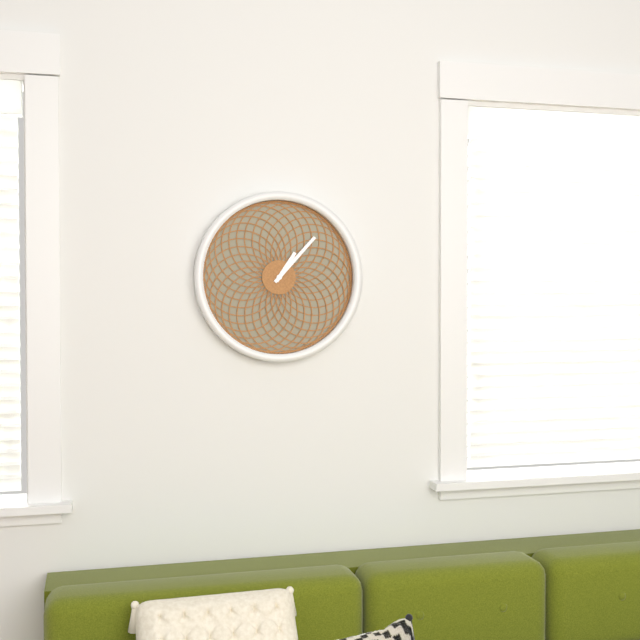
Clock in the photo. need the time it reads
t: 1:07
